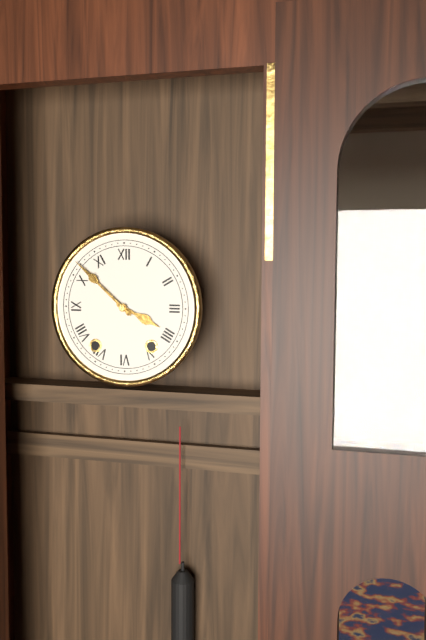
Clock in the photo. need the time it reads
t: 3:52
